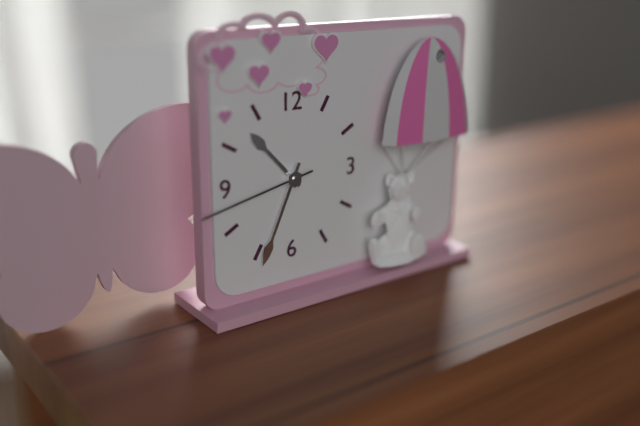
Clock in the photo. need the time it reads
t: 10:34:43
